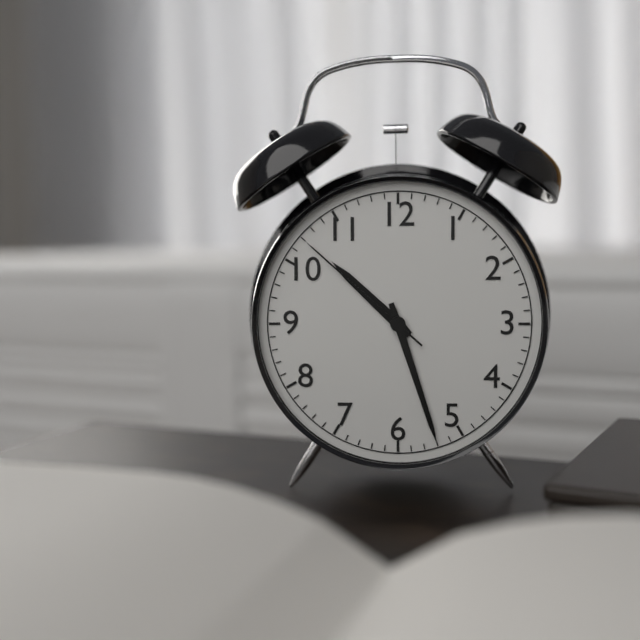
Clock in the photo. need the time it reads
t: 10:27:52
